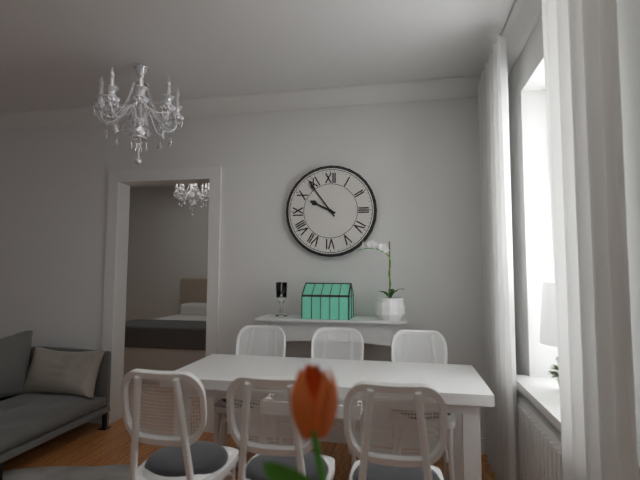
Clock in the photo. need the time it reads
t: 9:54
